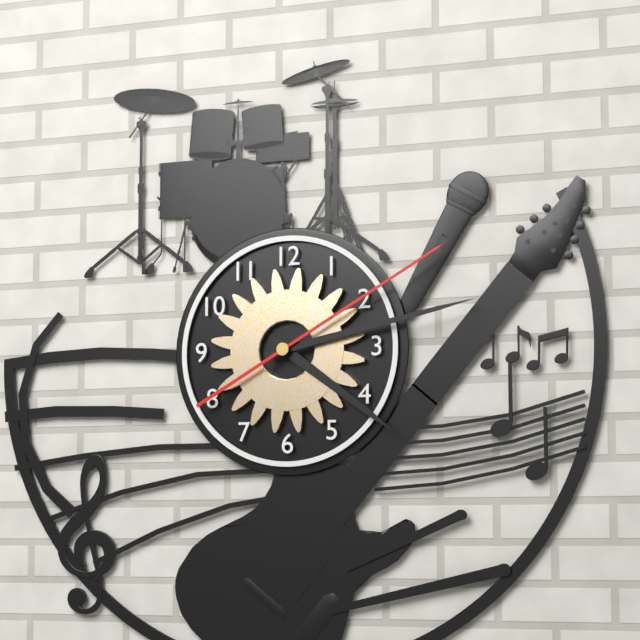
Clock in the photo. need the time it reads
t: 4:13:10
